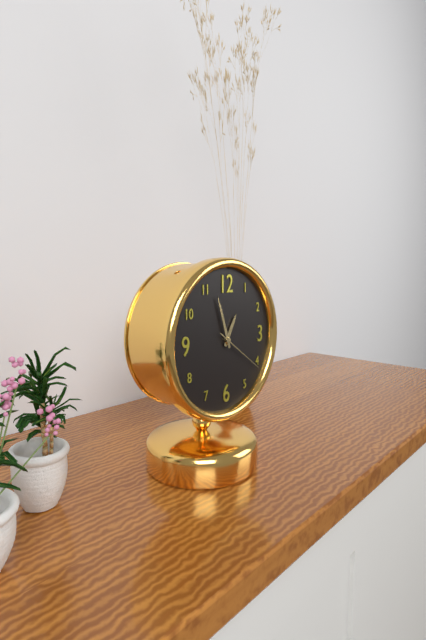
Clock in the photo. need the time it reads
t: 12:57:21
